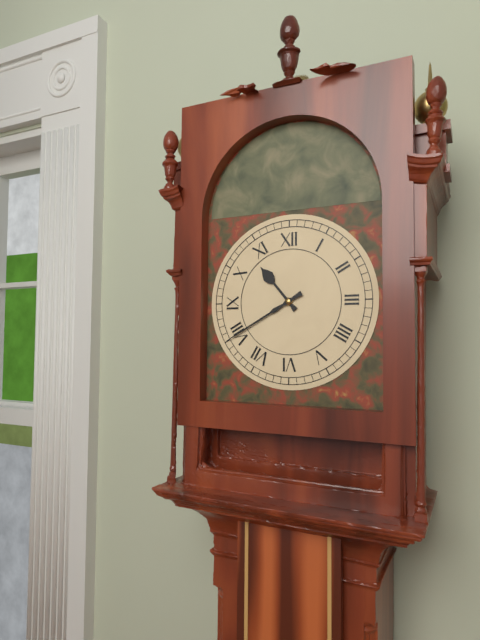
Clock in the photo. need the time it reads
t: 10:40
